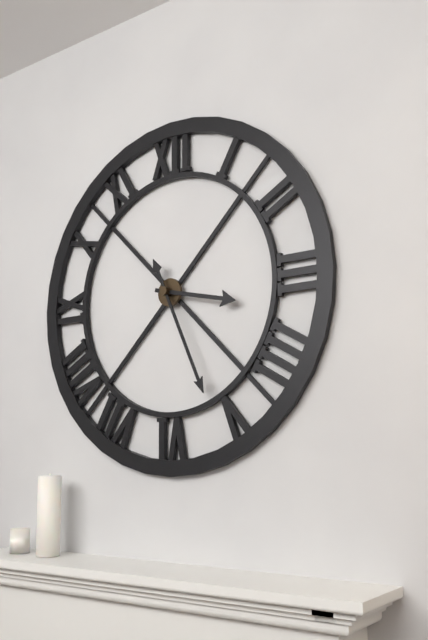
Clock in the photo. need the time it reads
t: 3:26
